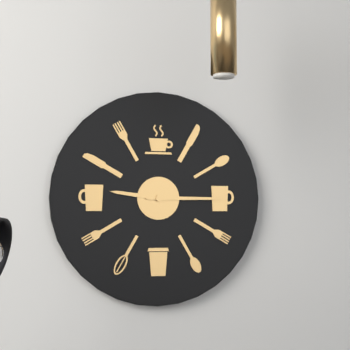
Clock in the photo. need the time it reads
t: 9:15
